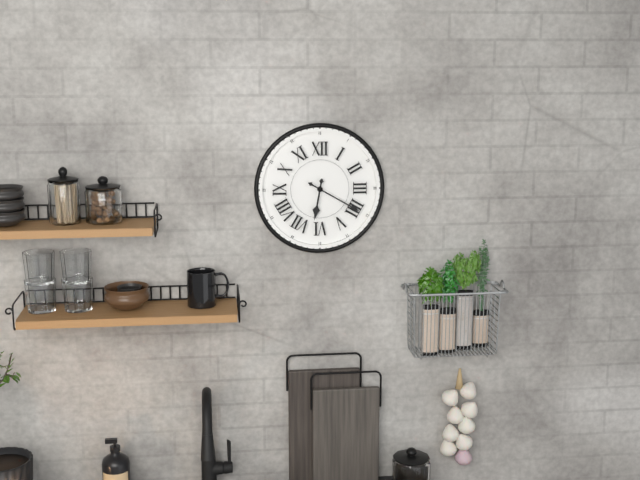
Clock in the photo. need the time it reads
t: 6:20
